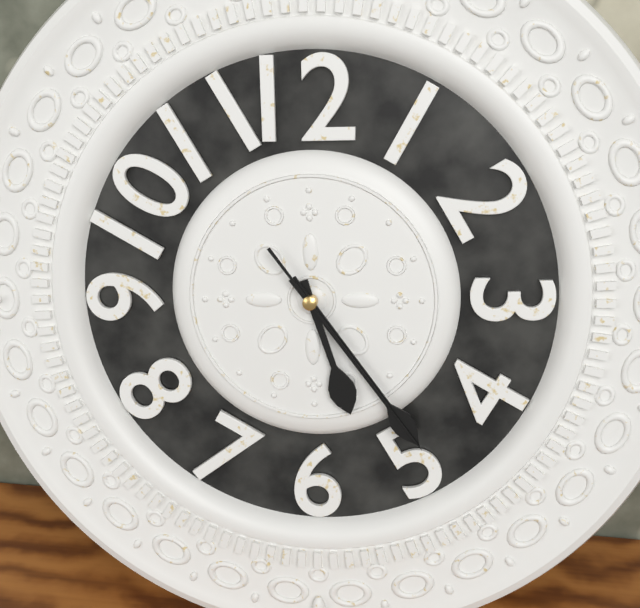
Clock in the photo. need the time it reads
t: 5:24:24
